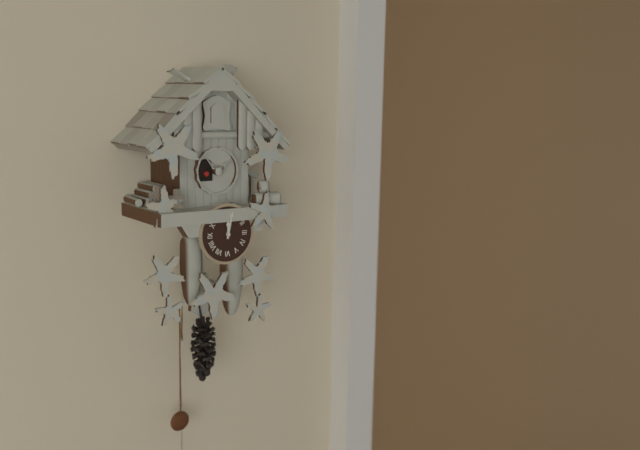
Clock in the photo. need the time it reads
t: 12:02
